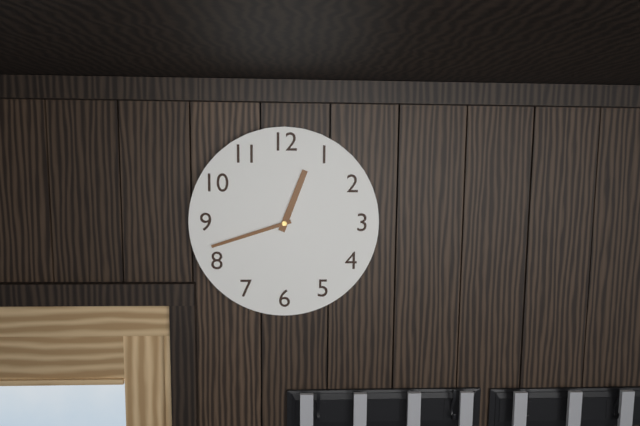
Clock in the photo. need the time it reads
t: 12:42
